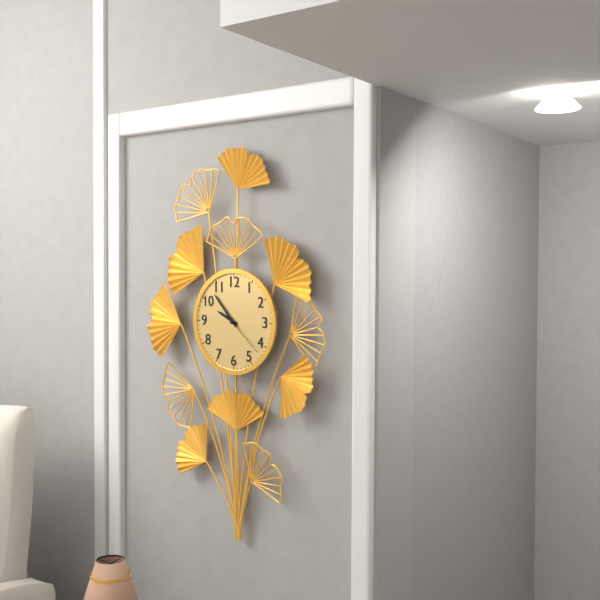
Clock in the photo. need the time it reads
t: 9:53
